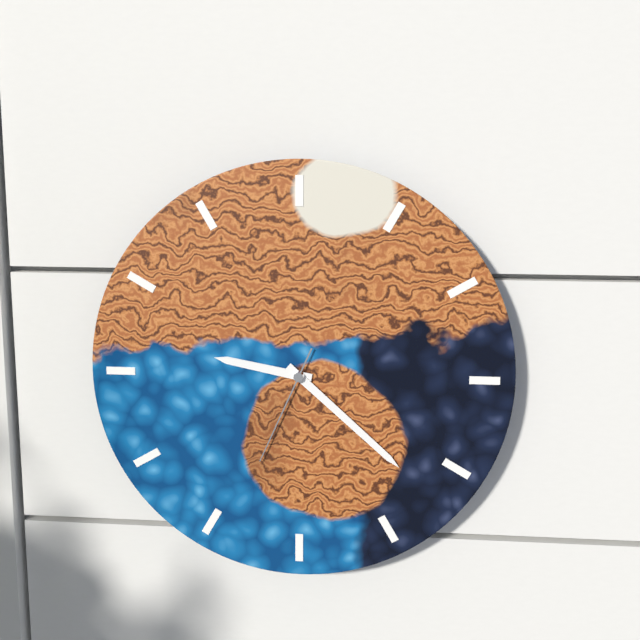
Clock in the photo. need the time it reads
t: 9:22:34
